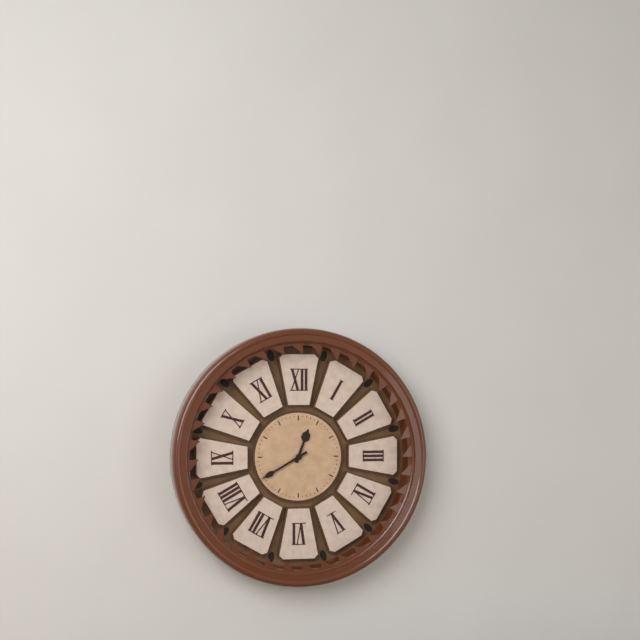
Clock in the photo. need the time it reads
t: 12:40
